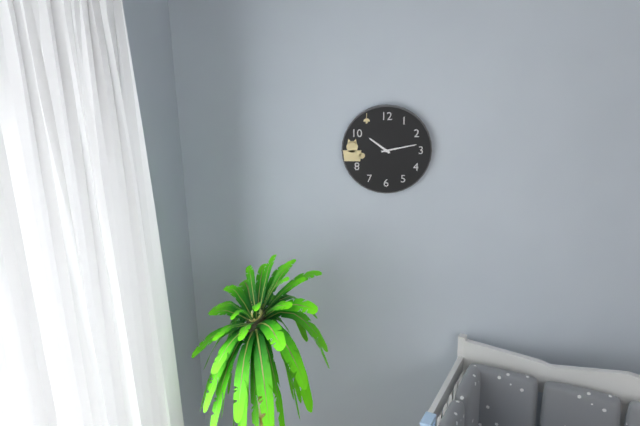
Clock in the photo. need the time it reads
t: 10:13
